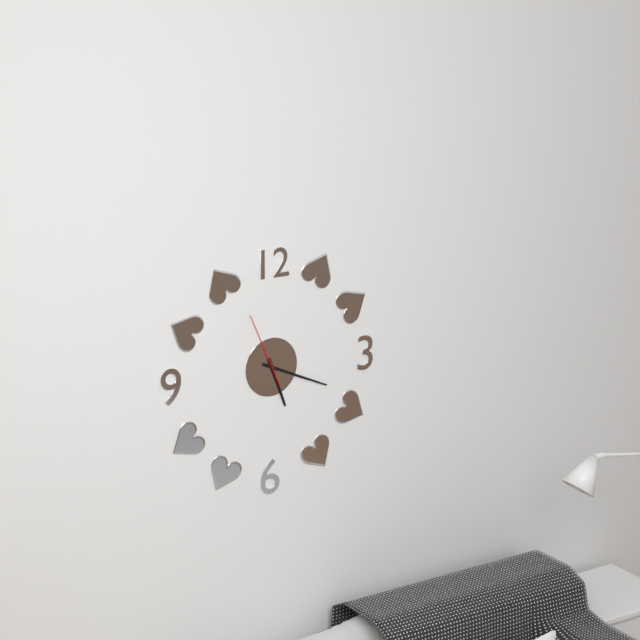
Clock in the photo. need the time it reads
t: 5:19:56
